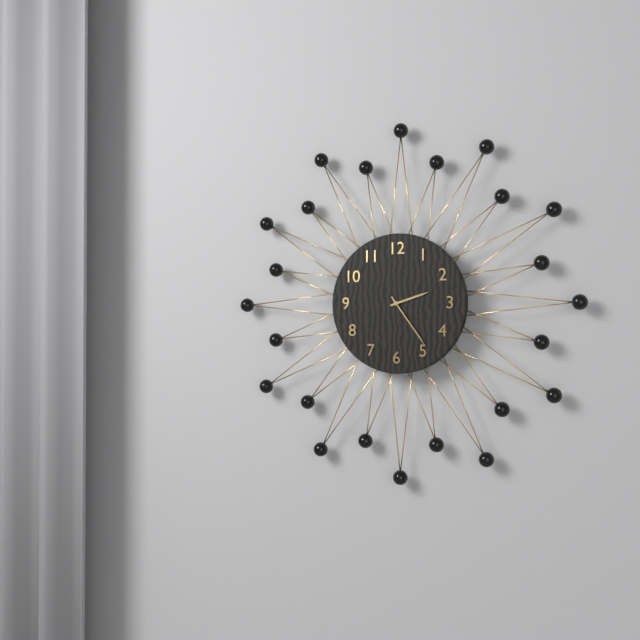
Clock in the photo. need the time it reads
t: 2:24
